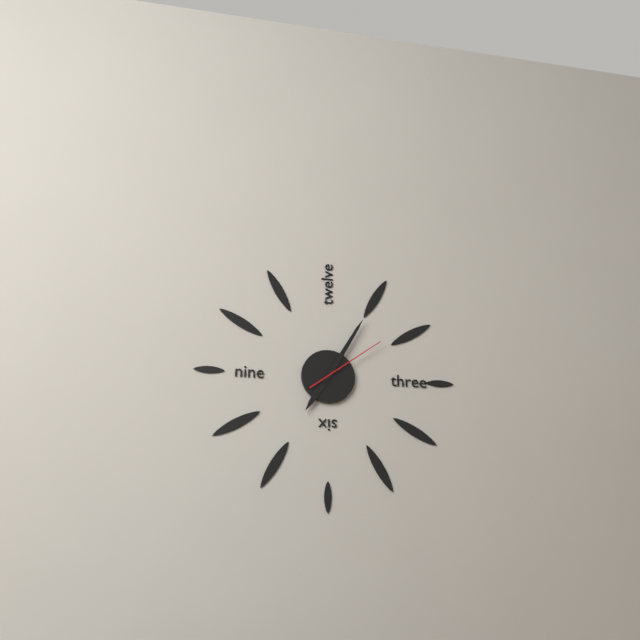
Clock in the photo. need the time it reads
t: 7:05:09
